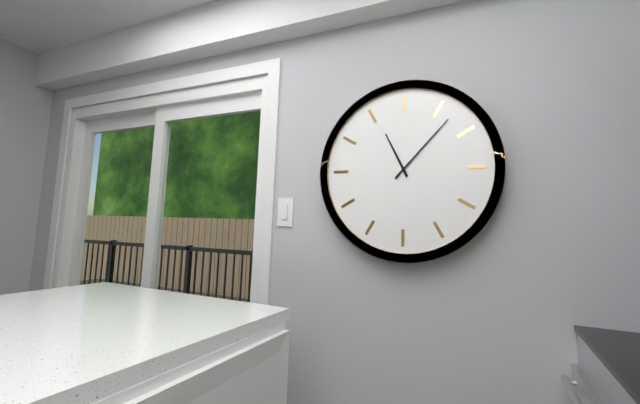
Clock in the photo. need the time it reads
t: 11:07
